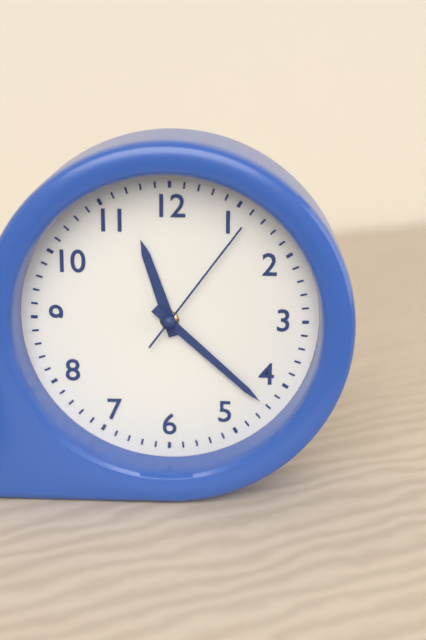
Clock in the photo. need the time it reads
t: 11:22:06
